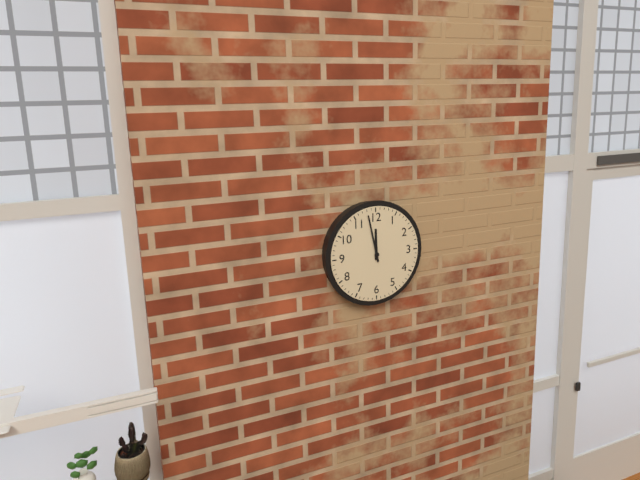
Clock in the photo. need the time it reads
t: 11:58
